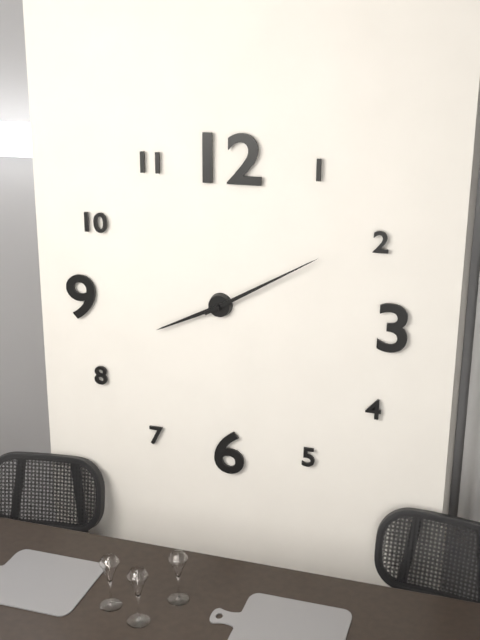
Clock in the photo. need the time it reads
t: 8:10
